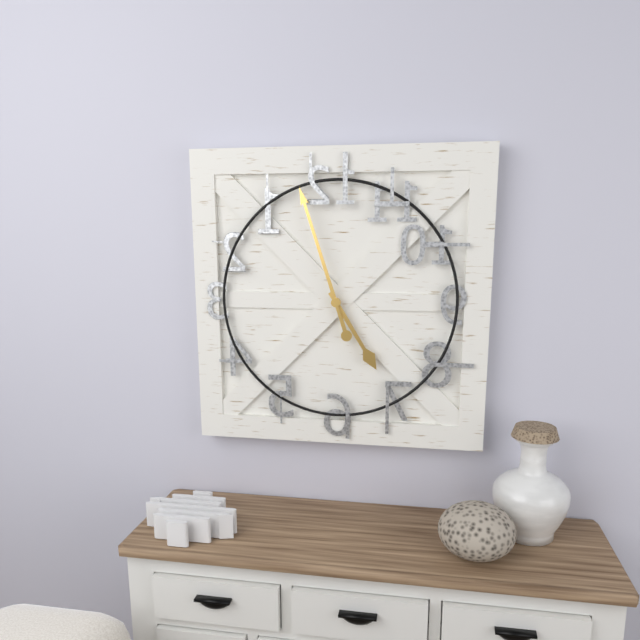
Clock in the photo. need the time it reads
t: 4:57
